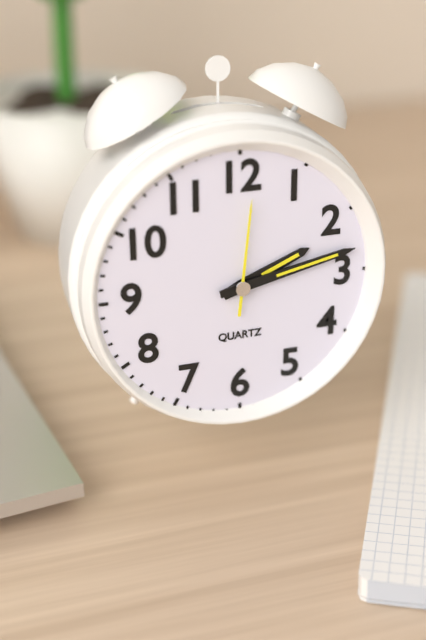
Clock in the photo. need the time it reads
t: 2:13:01
